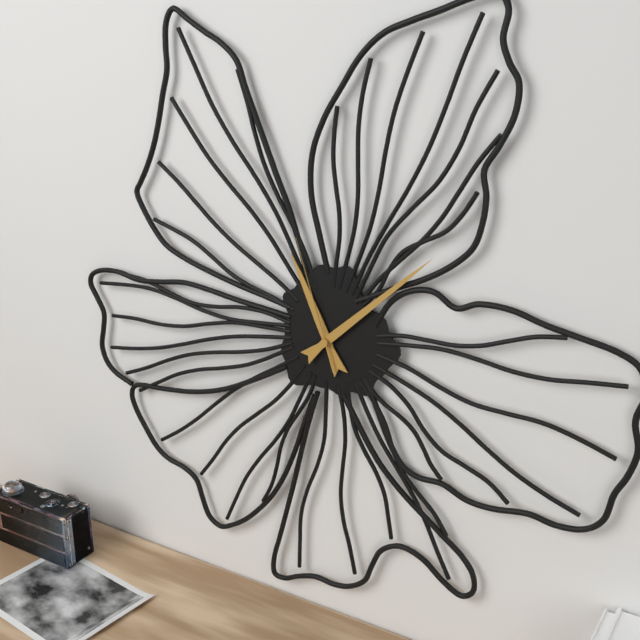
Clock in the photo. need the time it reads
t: 11:08:57
